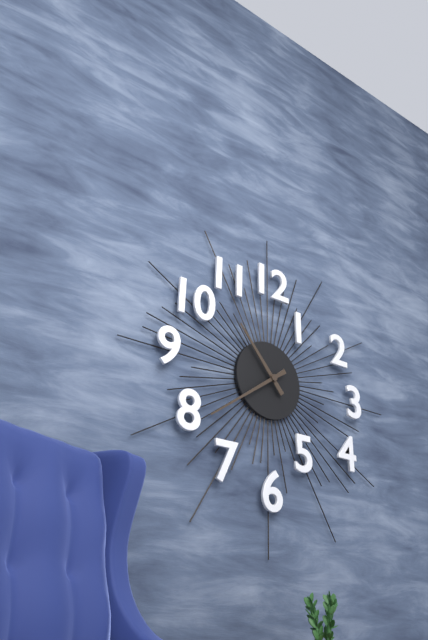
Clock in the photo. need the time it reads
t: 10:39
